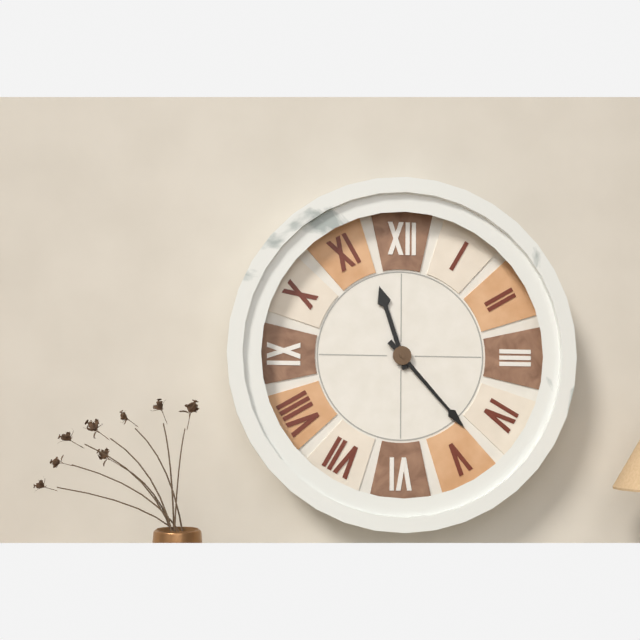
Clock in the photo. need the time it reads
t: 11:23
